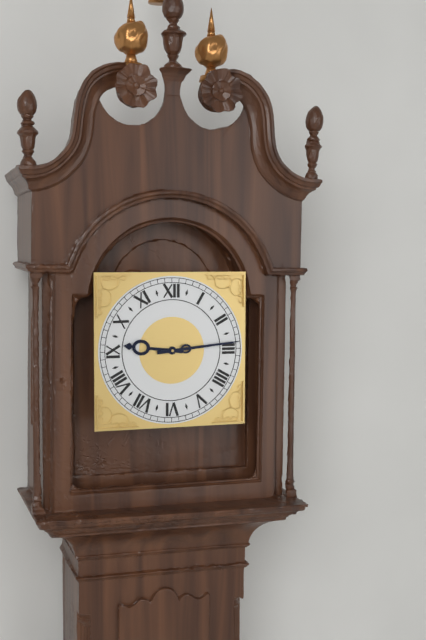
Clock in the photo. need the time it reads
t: 9:14
